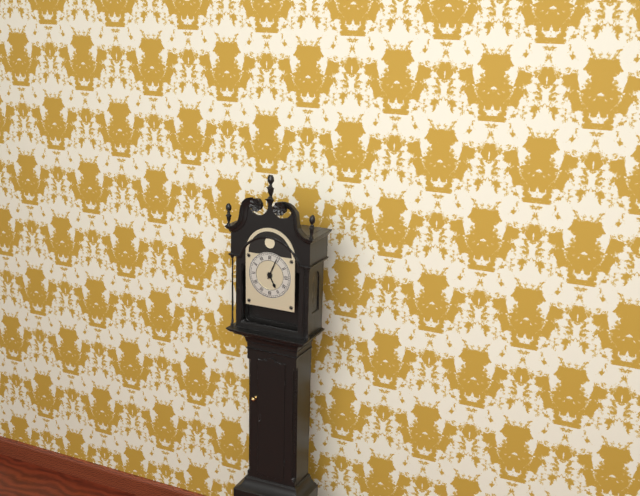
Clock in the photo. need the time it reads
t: 5:04
